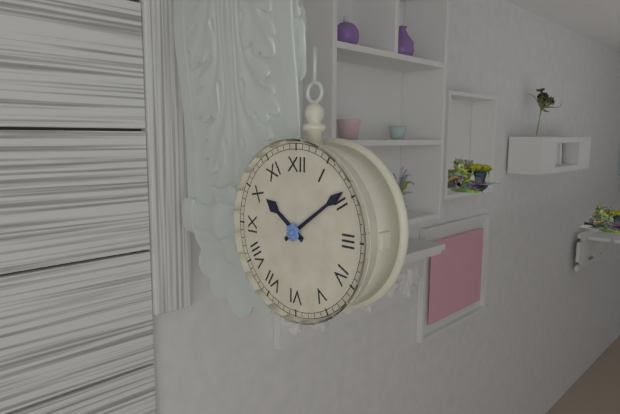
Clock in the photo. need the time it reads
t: 10:09
